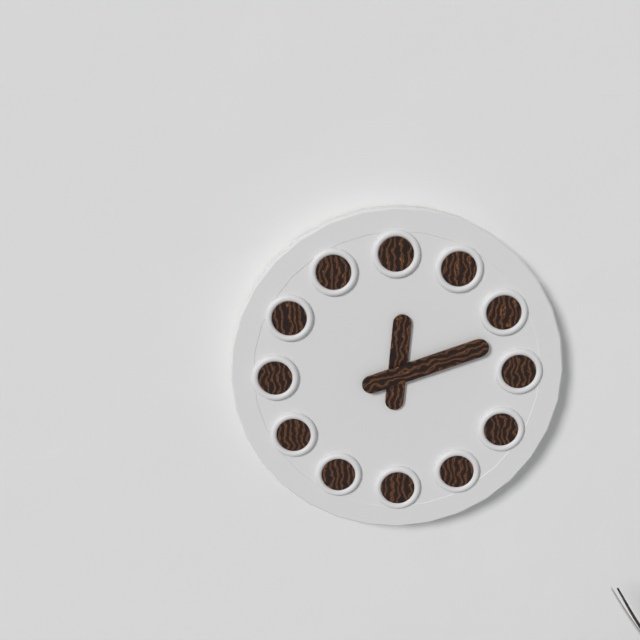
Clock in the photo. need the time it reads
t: 12:12
